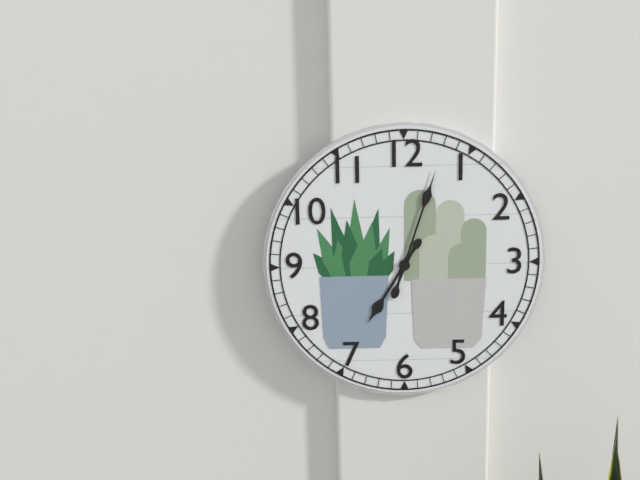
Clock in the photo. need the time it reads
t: 7:03
